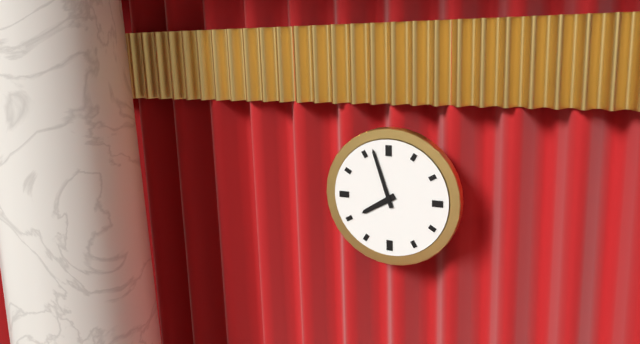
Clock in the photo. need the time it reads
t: 7:57
